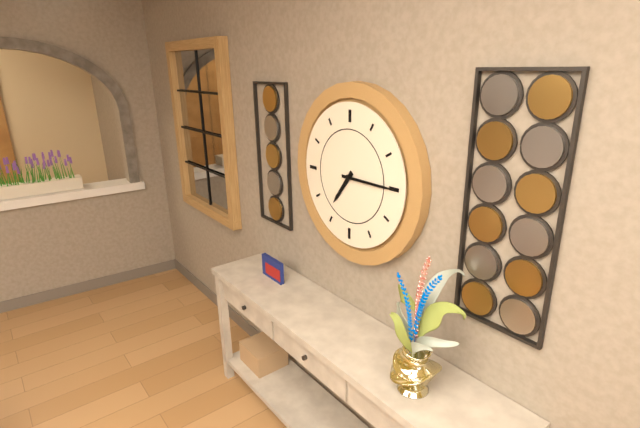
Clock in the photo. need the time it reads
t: 7:15
